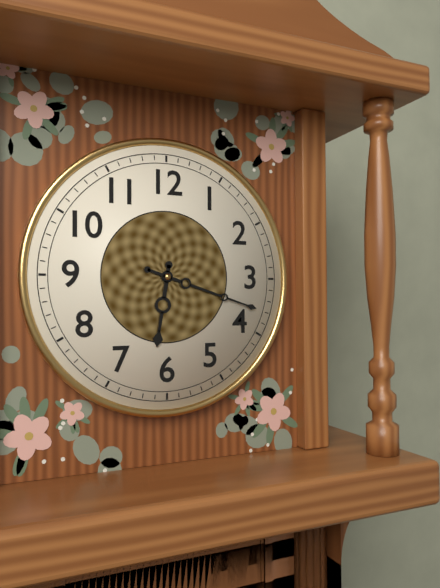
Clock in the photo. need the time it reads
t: 6:18
